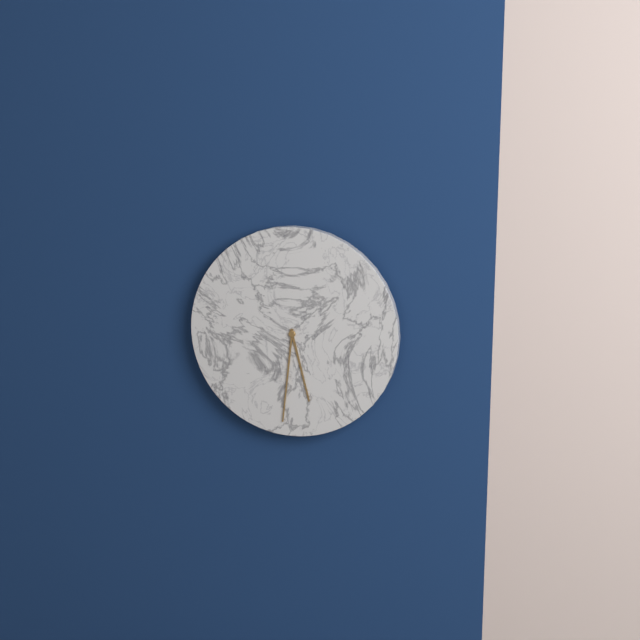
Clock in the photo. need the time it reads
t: 5:31
